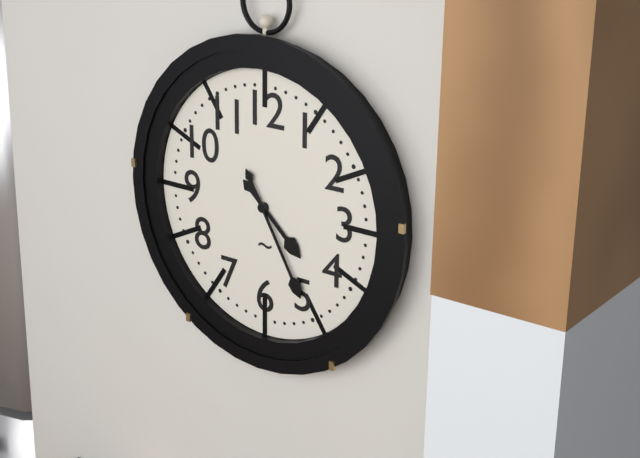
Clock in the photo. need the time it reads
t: 4:25
